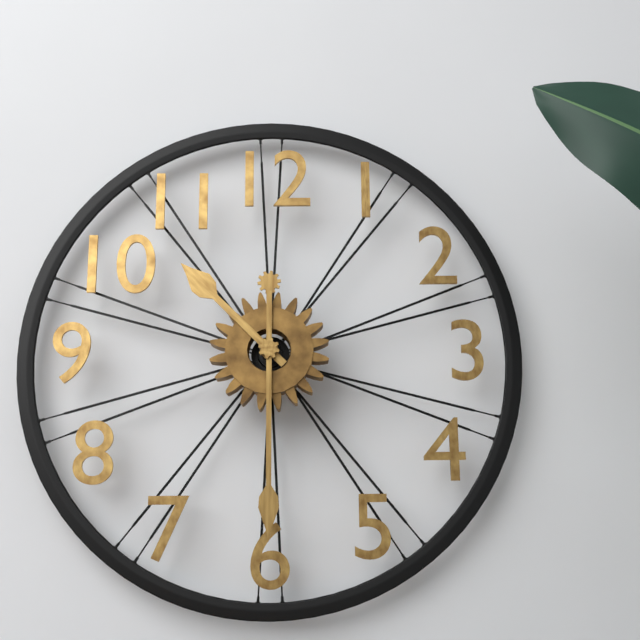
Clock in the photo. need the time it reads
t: 10:30
